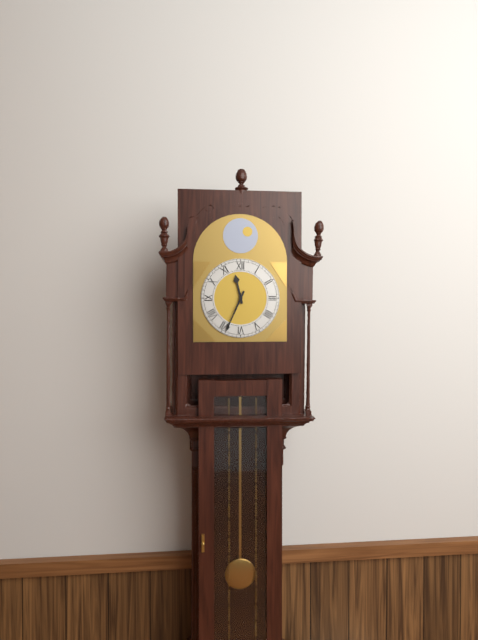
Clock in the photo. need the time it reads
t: 11:34
